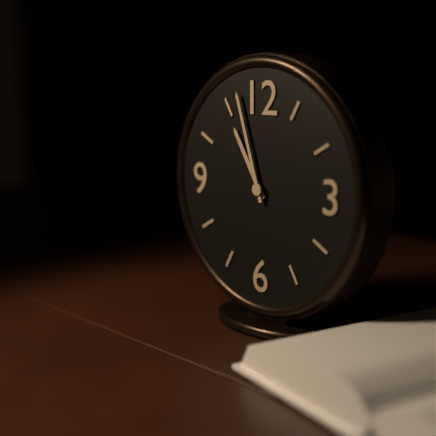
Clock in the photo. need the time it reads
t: 10:57
